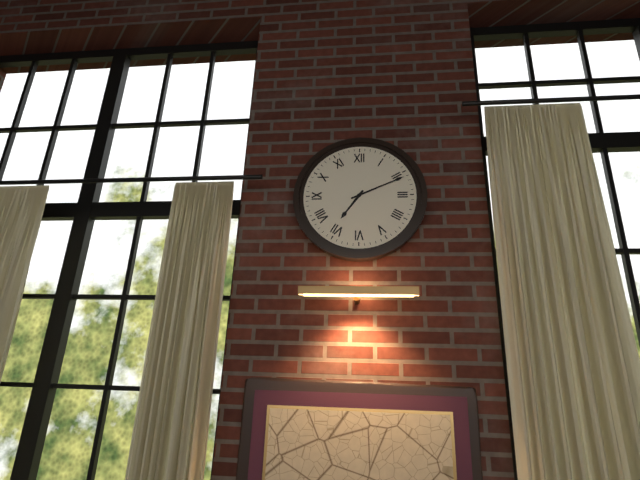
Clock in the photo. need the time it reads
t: 7:11
